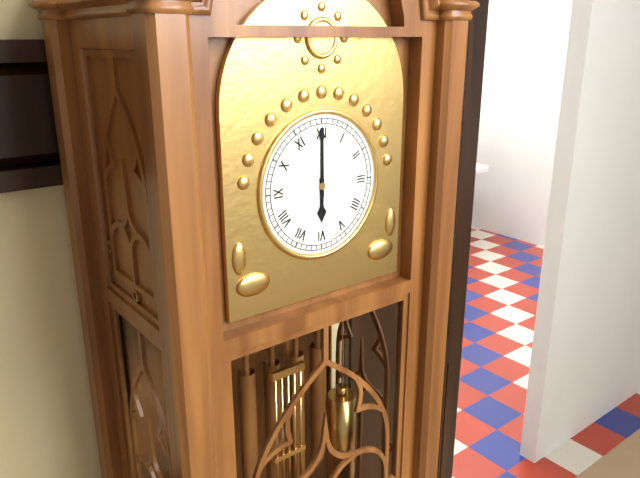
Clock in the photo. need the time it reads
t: 6:00
